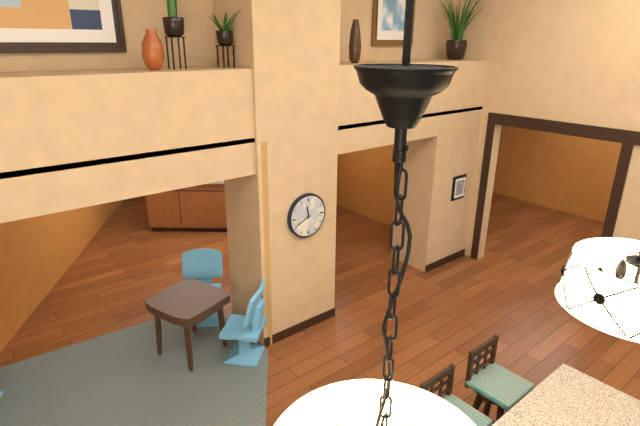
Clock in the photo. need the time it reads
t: 11:41
